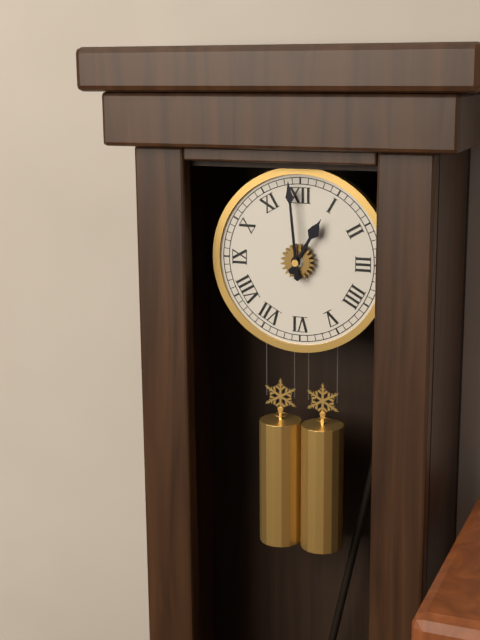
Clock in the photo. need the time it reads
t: 12:59
